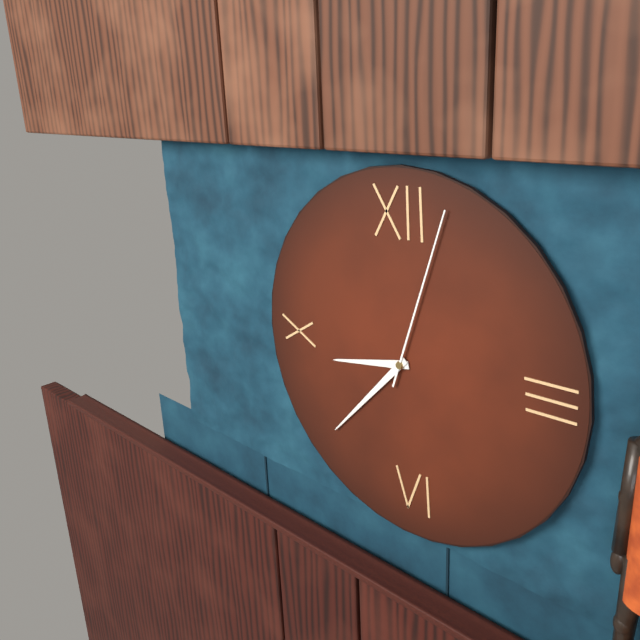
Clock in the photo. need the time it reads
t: 8:37:03
